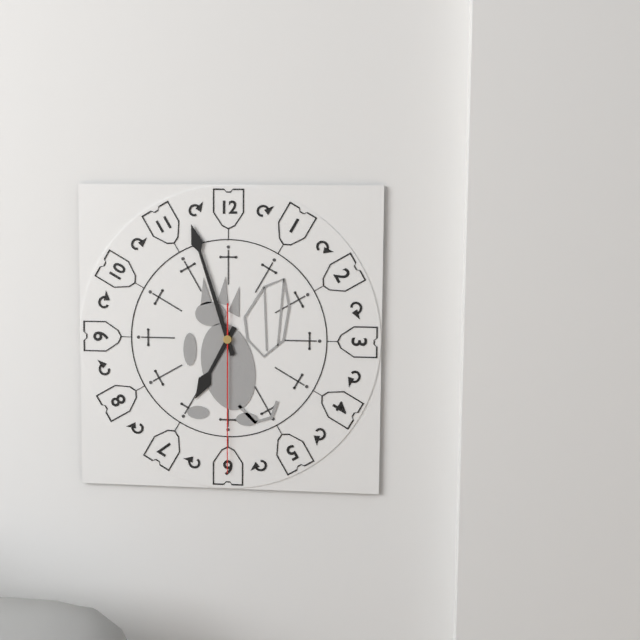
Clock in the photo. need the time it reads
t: 6:57:30
